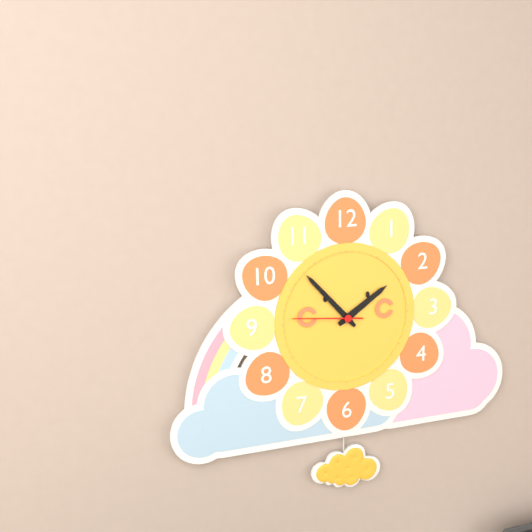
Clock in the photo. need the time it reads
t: 1:53:46
